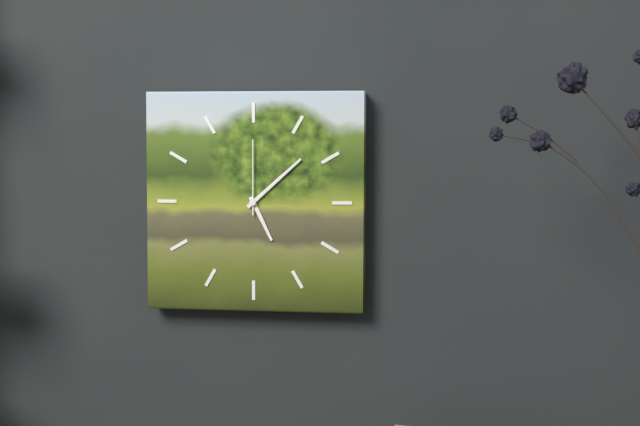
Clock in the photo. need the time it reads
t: 5:08:00
